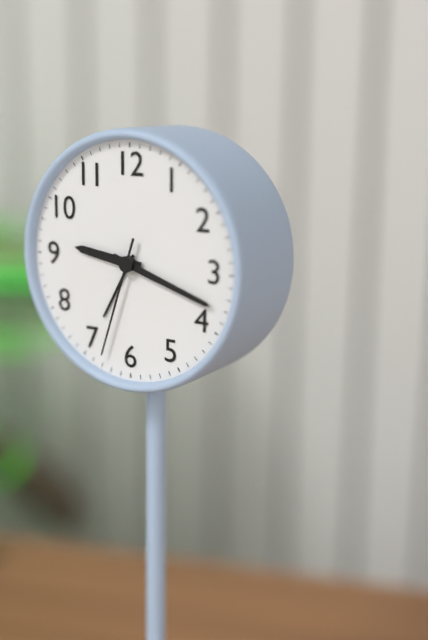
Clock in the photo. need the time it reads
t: 9:18:33
